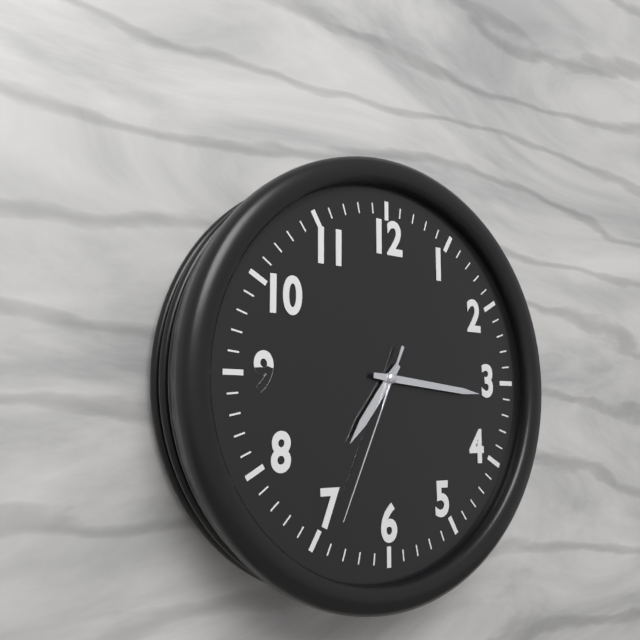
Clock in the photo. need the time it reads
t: 7:16:34
